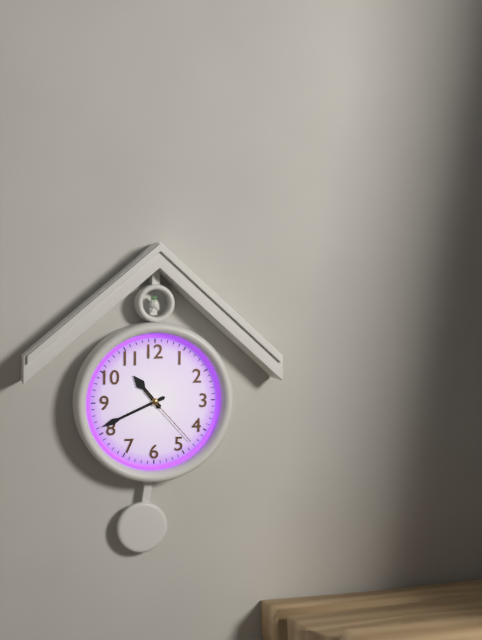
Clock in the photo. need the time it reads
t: 10:41:23
